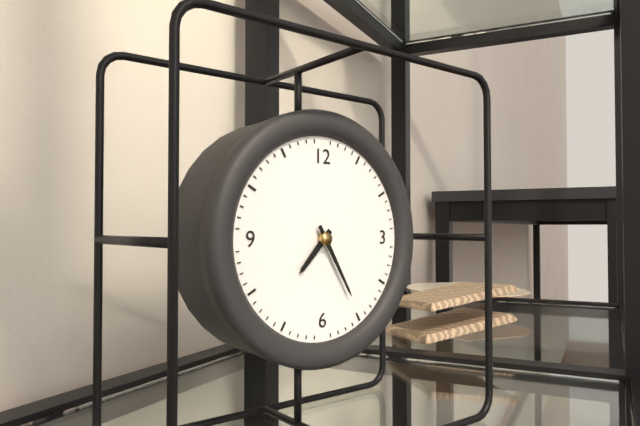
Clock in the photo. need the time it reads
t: 7:25
